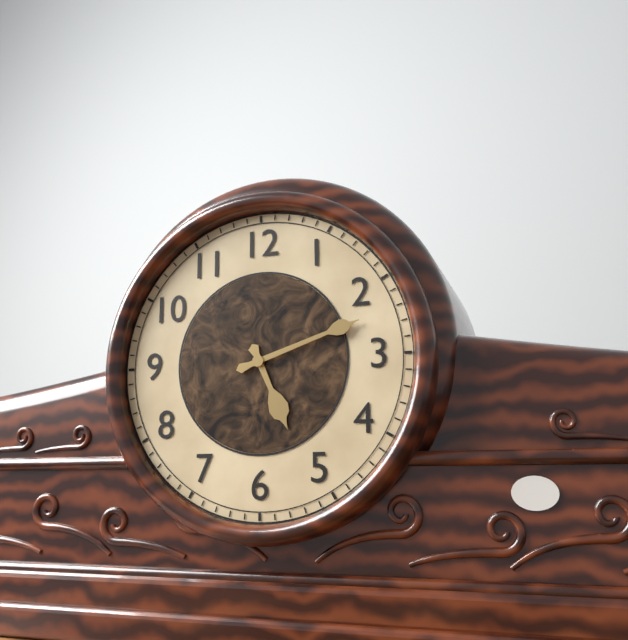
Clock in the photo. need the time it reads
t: 5:12
